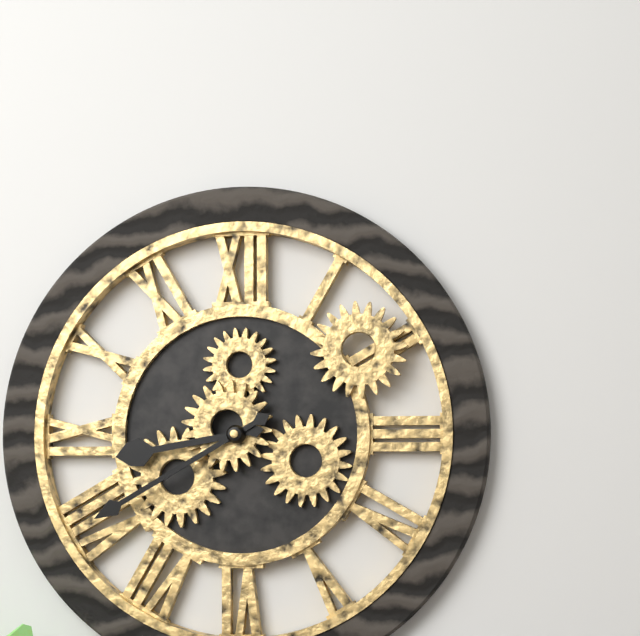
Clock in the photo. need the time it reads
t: 8:40
